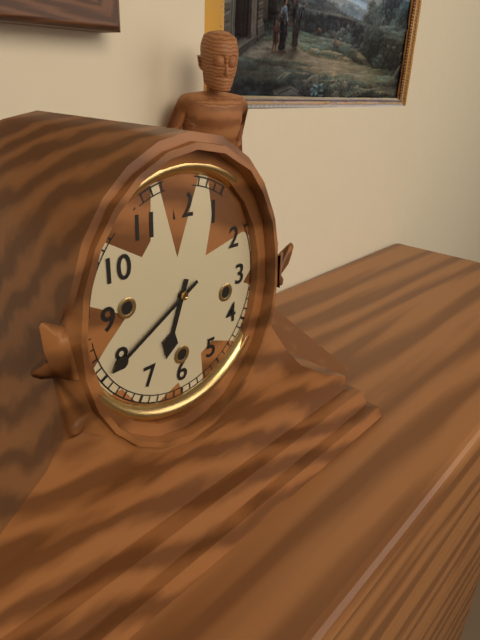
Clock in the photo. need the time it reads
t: 6:40
